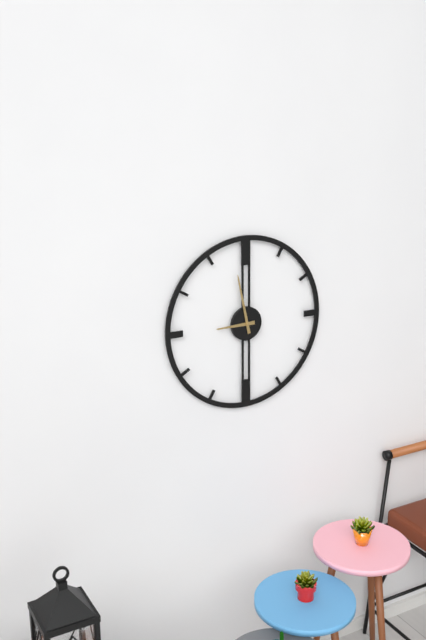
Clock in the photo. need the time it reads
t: 8:58
